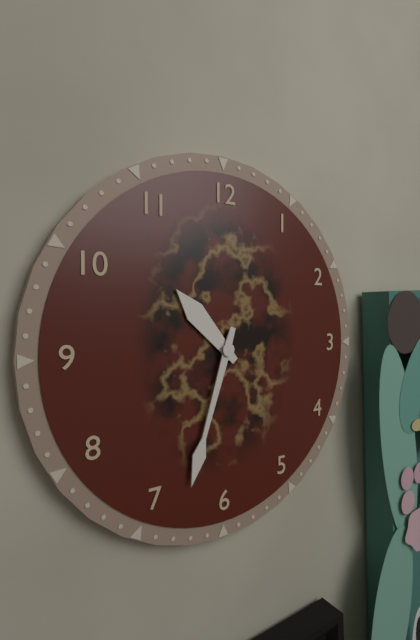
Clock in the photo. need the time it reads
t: 10:33
